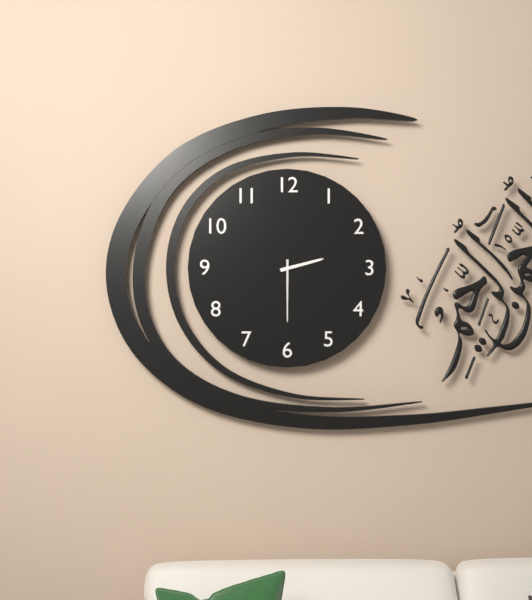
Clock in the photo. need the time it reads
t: 2:30
